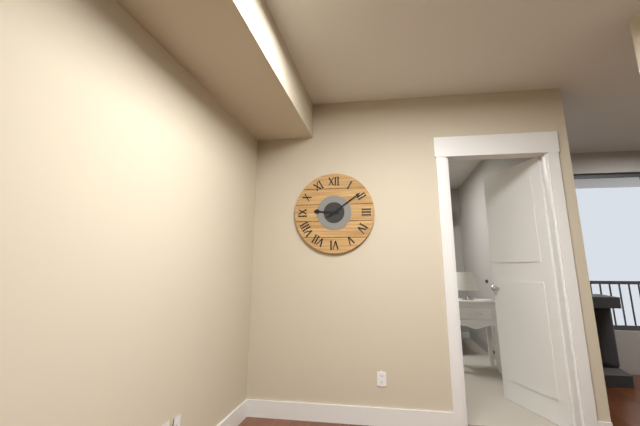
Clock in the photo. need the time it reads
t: 9:09
